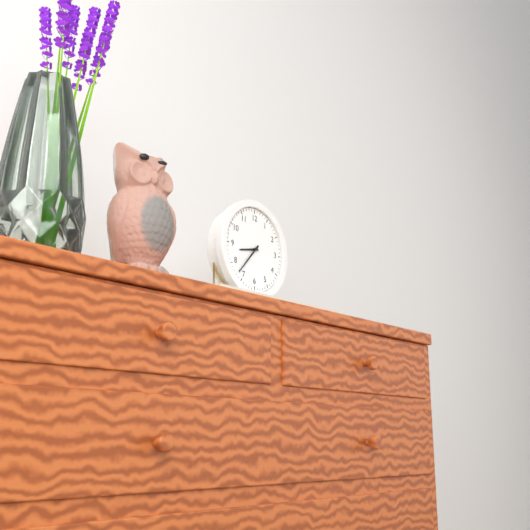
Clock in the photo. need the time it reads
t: 8:37
